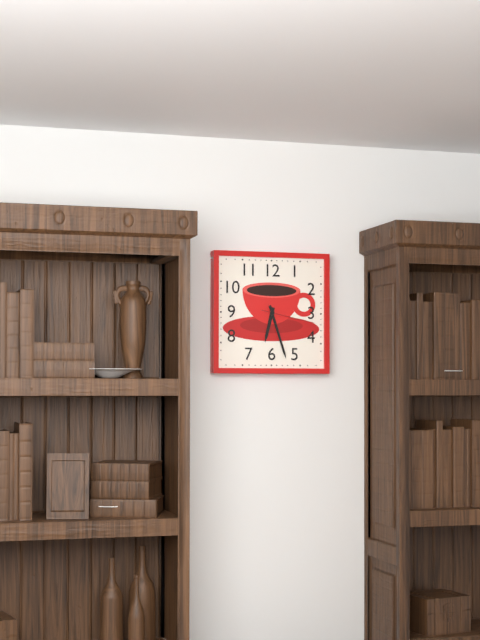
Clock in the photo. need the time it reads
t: 6:27:17
